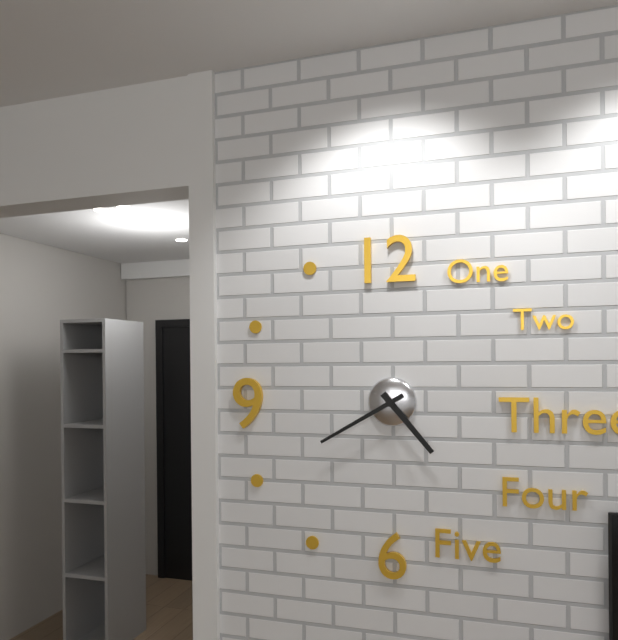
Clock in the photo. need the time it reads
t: 4:40
